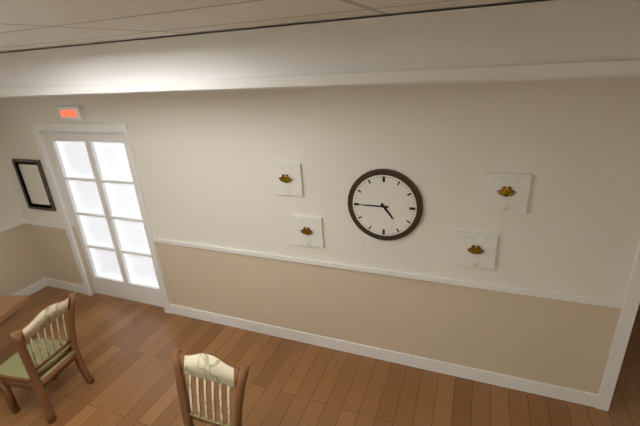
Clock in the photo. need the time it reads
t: 4:45
